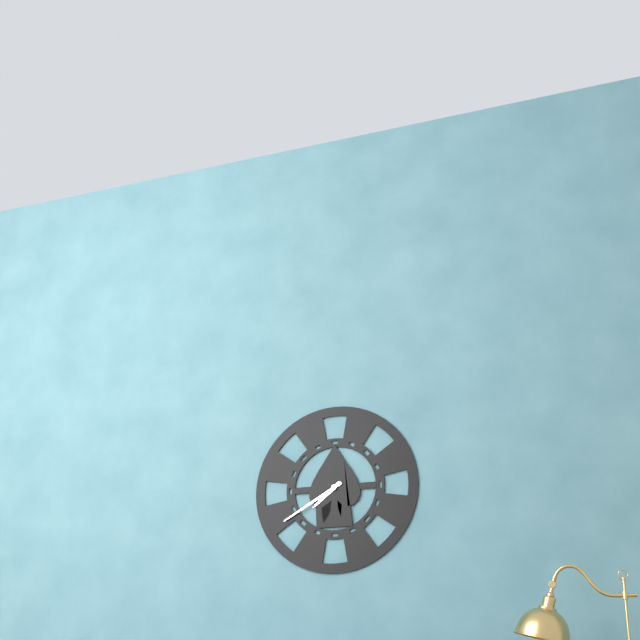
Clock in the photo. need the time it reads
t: 7:40
